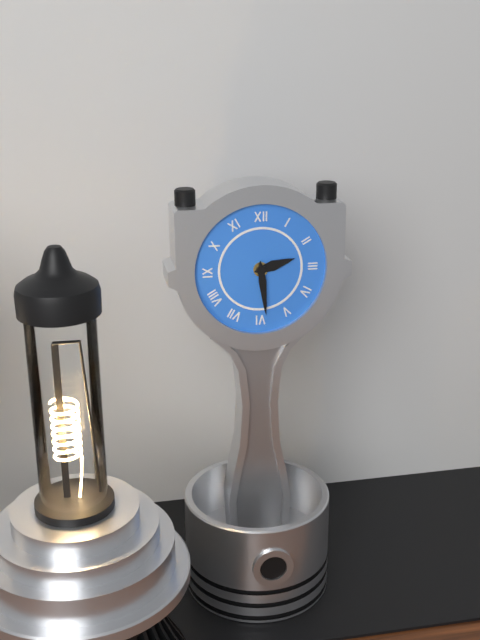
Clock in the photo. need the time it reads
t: 2:29
